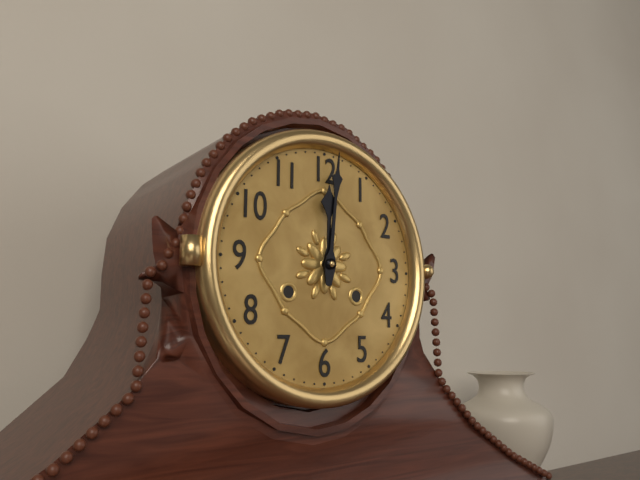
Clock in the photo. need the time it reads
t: 12:01
